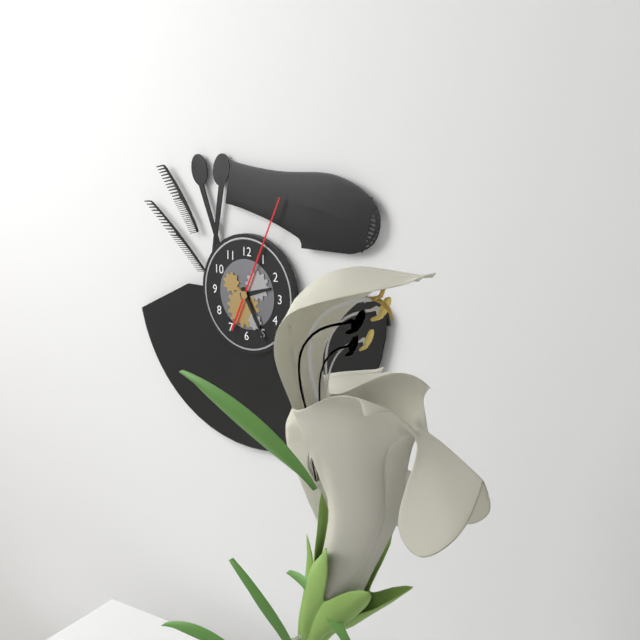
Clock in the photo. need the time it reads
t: 2:25:04
